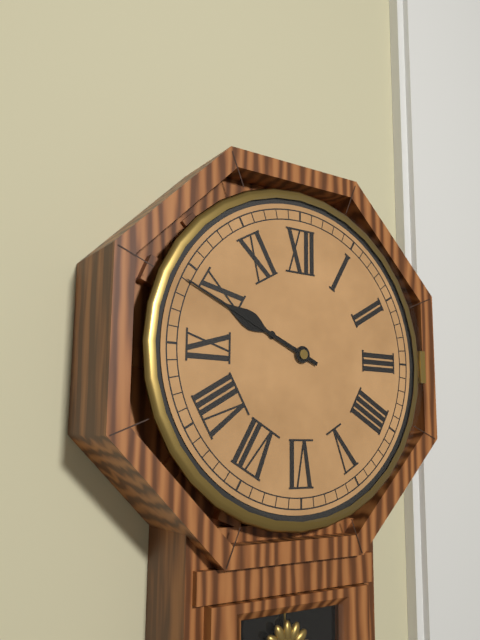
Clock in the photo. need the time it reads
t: 9:49
